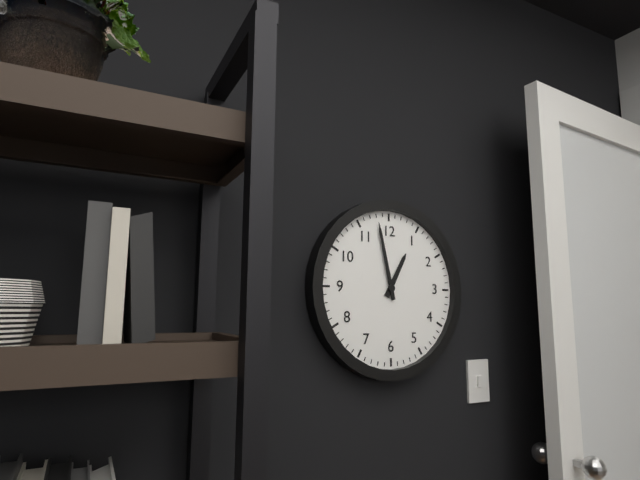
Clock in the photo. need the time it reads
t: 12:58
